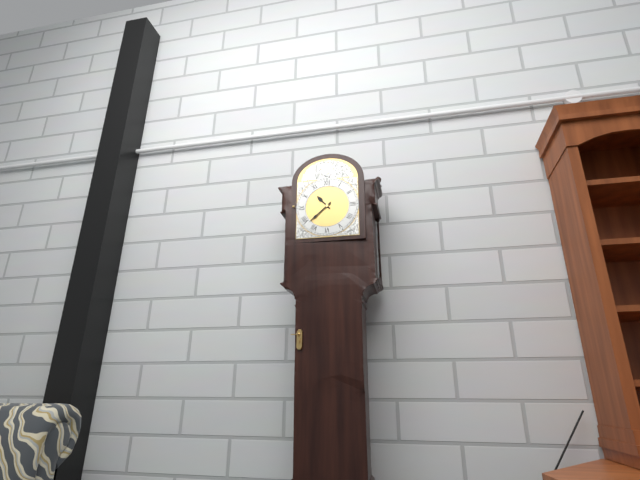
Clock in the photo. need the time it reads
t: 10:38
